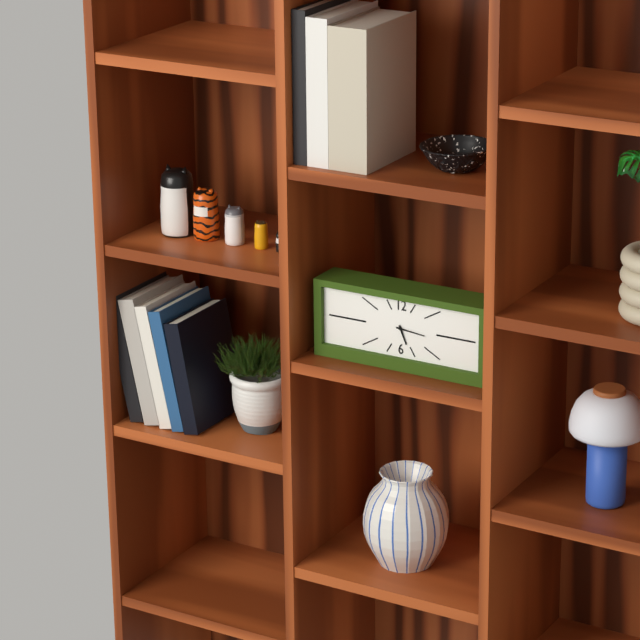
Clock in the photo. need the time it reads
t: 5:16
